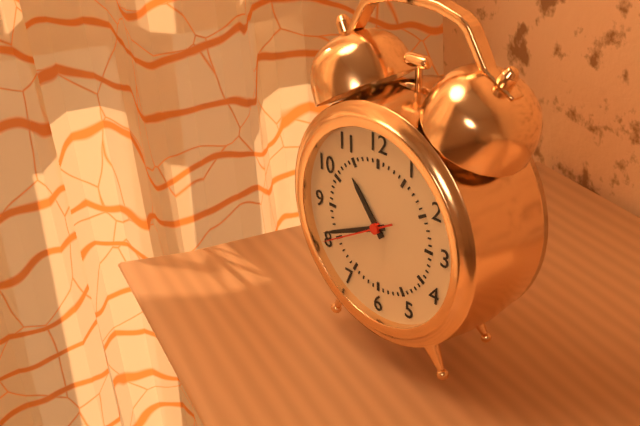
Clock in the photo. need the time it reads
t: 10:41:40
